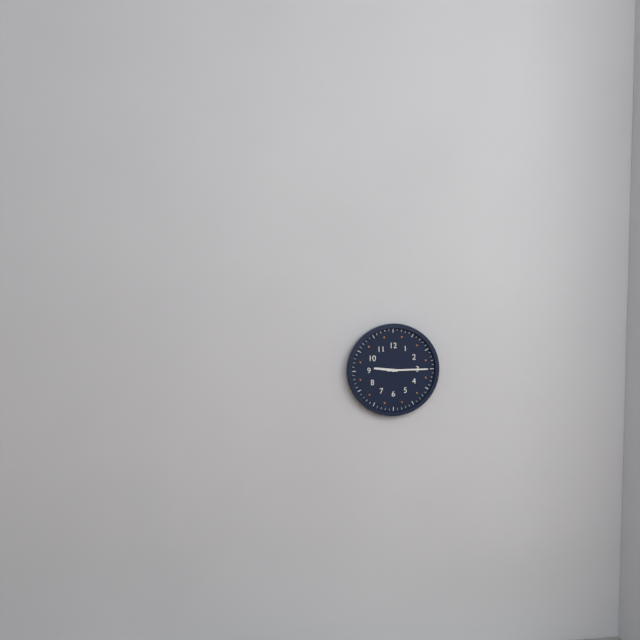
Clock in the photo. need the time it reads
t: 9:15
